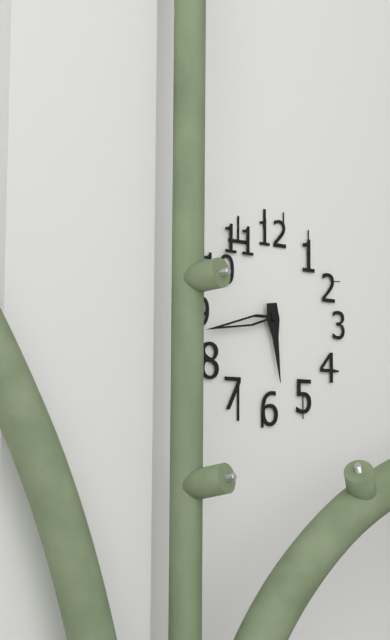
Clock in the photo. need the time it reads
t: 5:43
